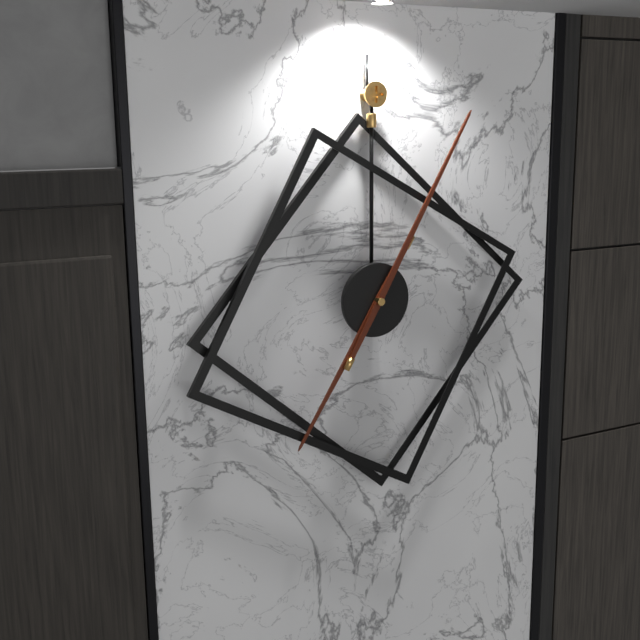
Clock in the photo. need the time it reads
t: 7:05
